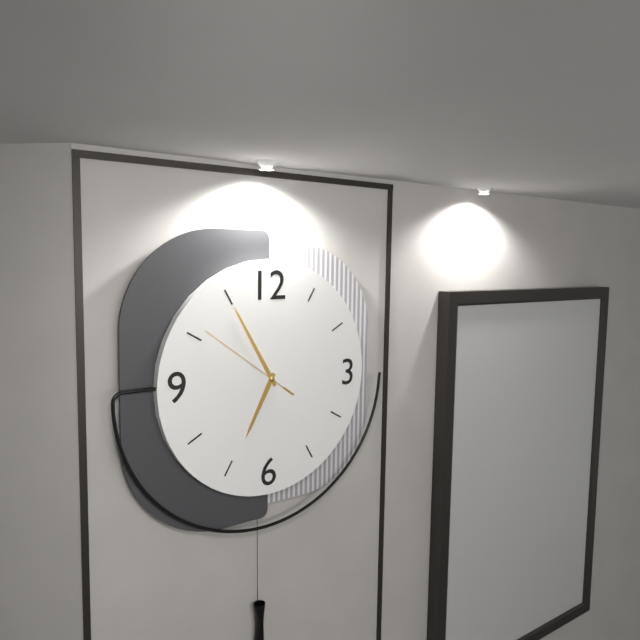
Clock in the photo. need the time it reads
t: 6:55:51
